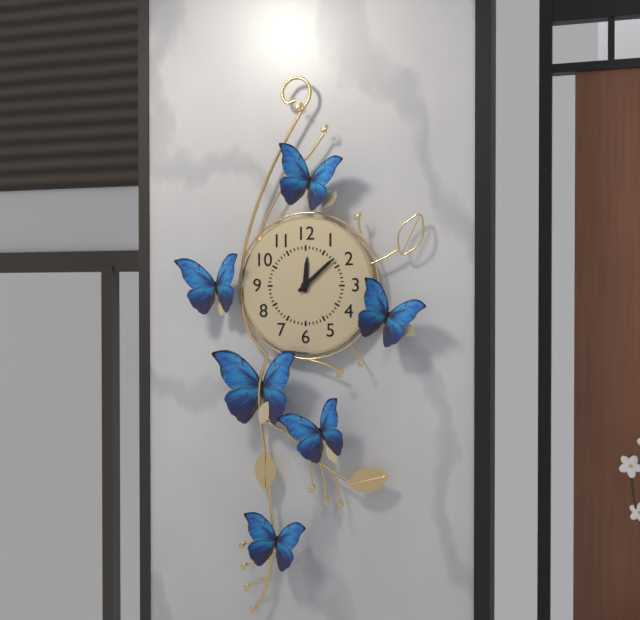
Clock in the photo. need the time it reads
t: 12:08
